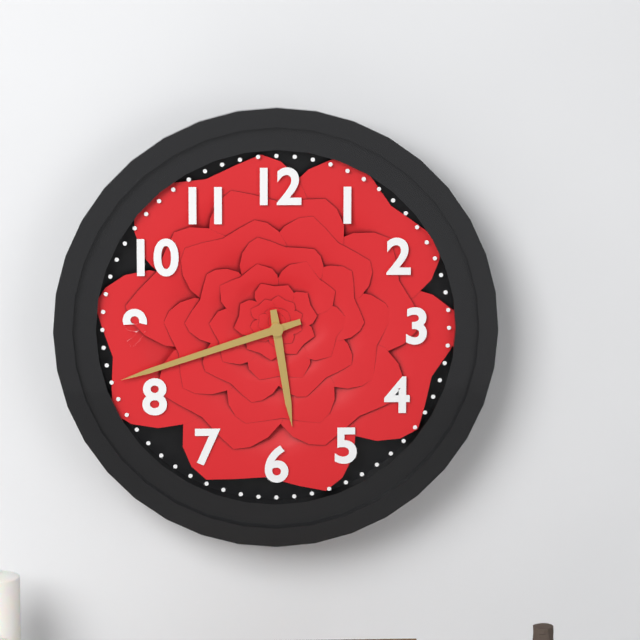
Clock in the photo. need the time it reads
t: 5:42
